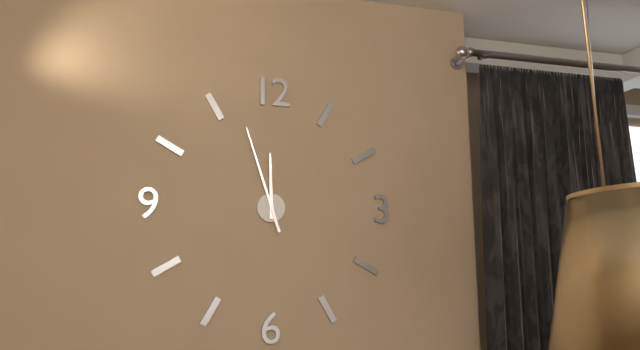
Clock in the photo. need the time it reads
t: 11:57
